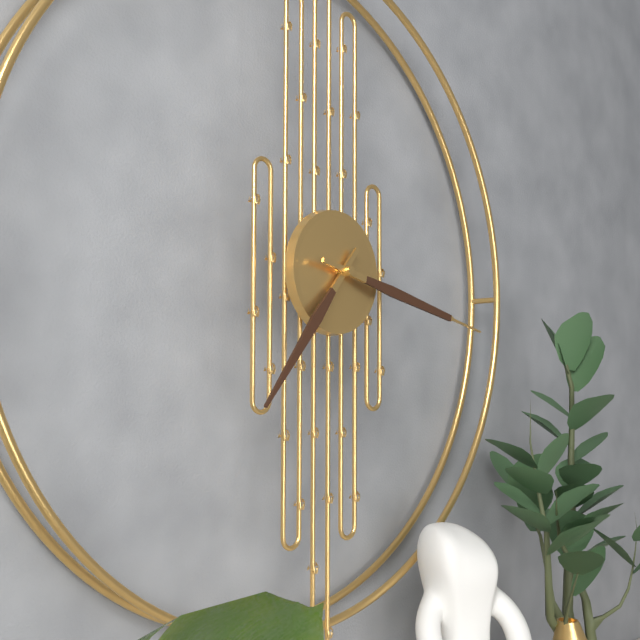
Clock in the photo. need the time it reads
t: 7:17
